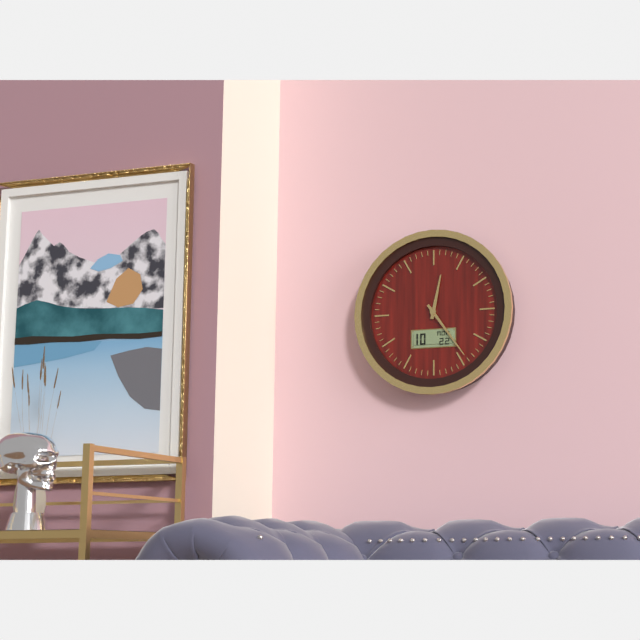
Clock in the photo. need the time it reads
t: 12:24
